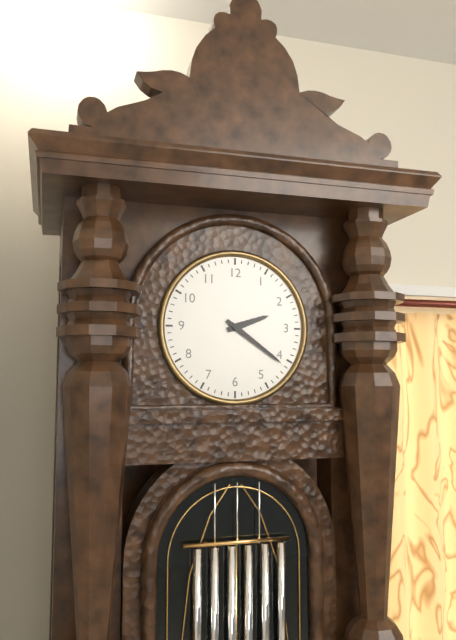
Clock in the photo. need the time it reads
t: 2:21
